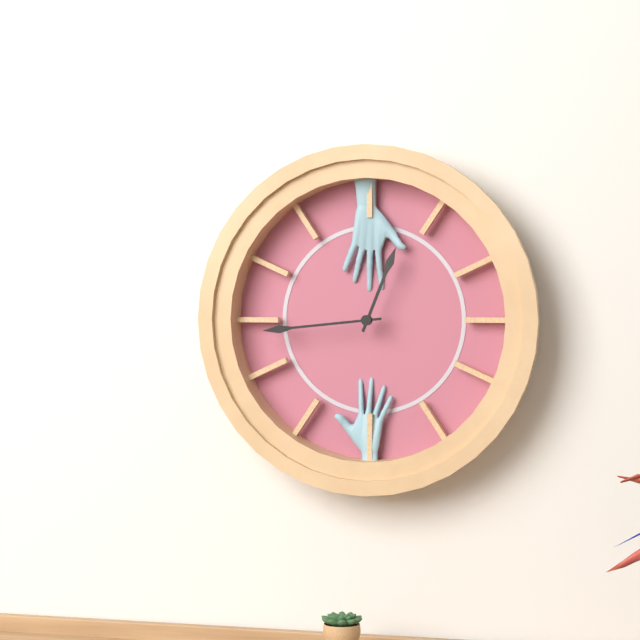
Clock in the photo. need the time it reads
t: 12:44
